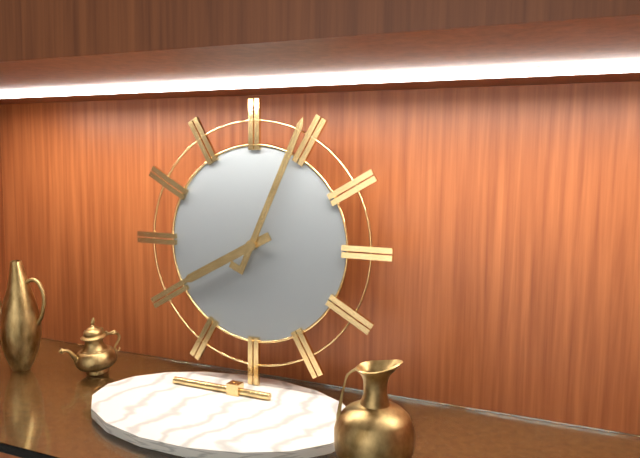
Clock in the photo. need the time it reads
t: 8:04
